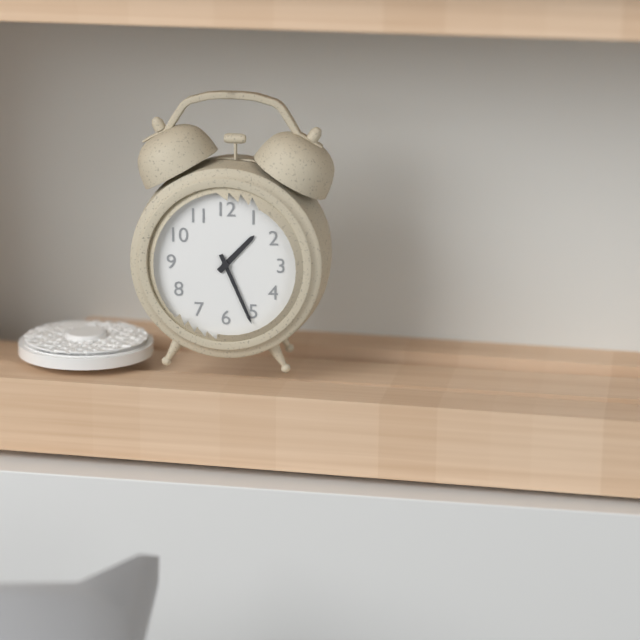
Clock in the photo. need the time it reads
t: 1:26
